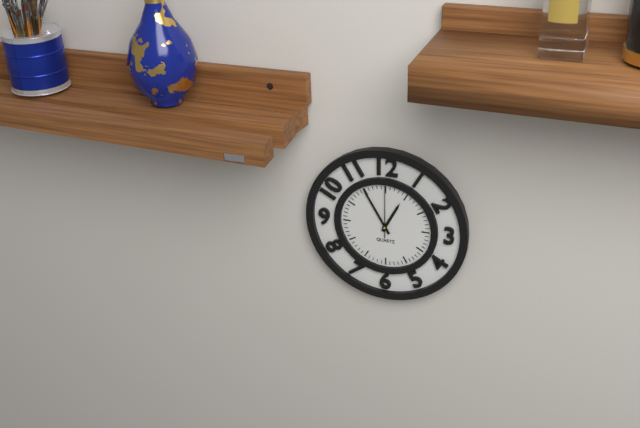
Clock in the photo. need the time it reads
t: 12:55:00
